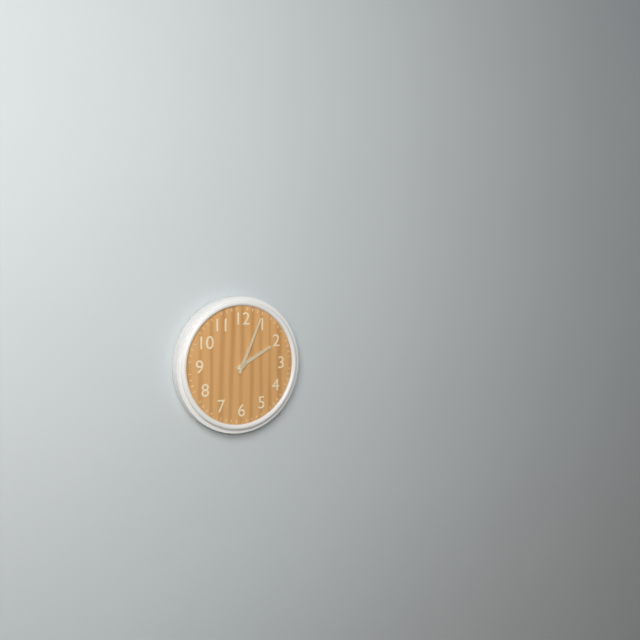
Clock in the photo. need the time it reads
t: 2:04
